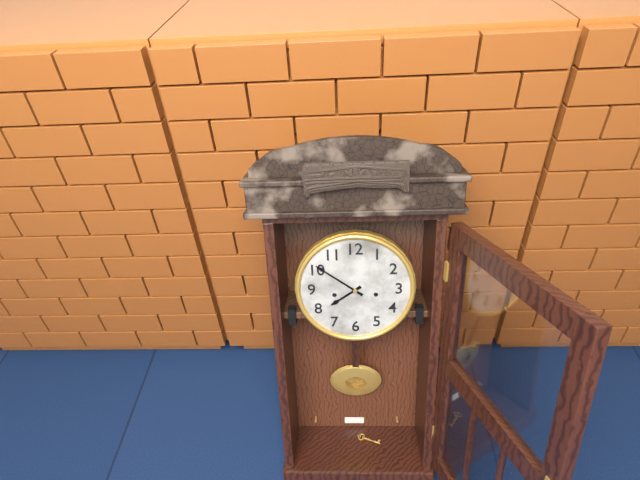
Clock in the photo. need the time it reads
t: 7:51
